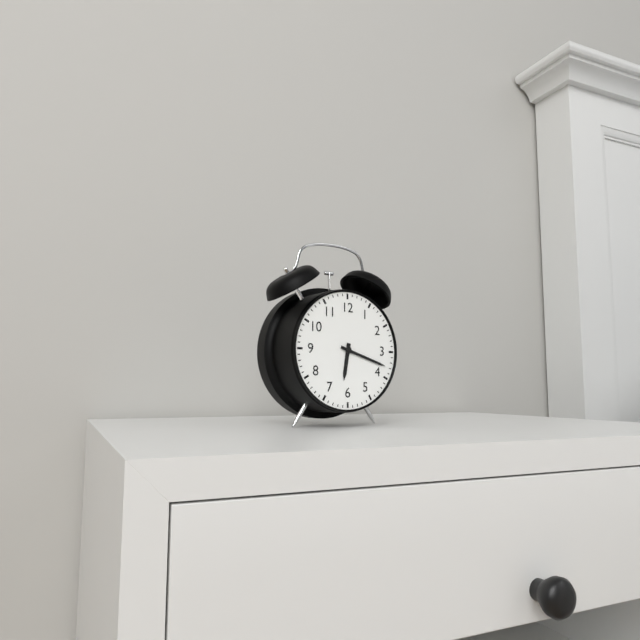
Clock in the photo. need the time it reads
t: 6:18
